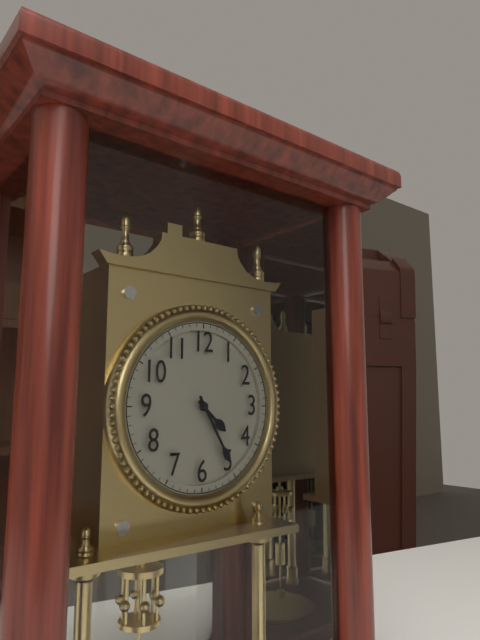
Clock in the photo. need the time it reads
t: 4:25
